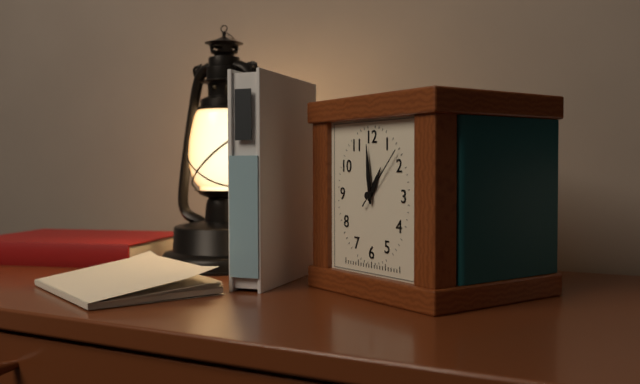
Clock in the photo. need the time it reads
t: 12:59:07
